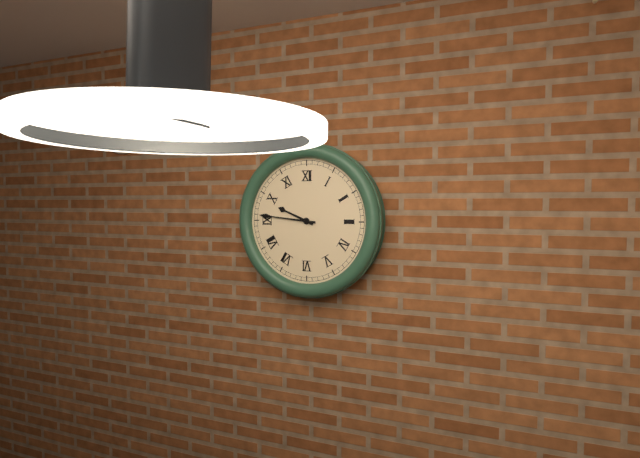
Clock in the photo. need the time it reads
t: 9:46
